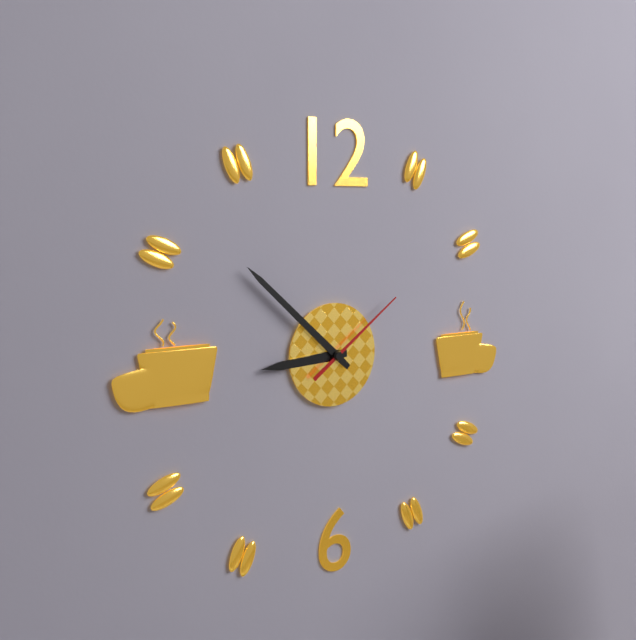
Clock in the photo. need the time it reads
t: 8:52:09
